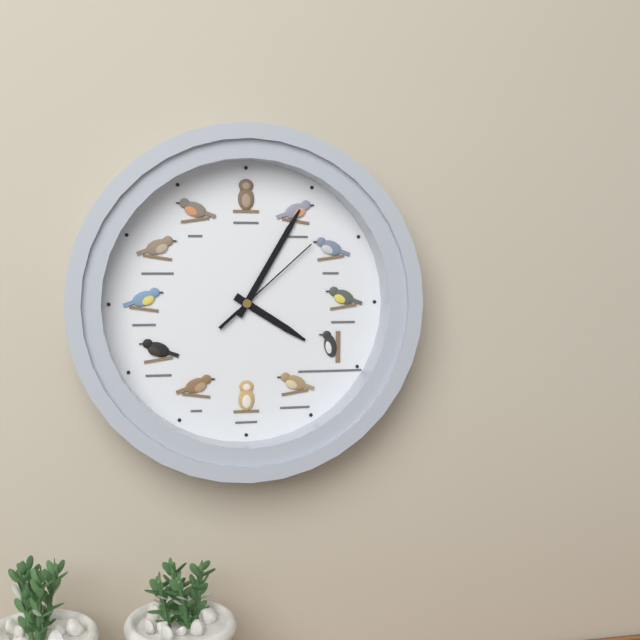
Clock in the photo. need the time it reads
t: 4:05:08
